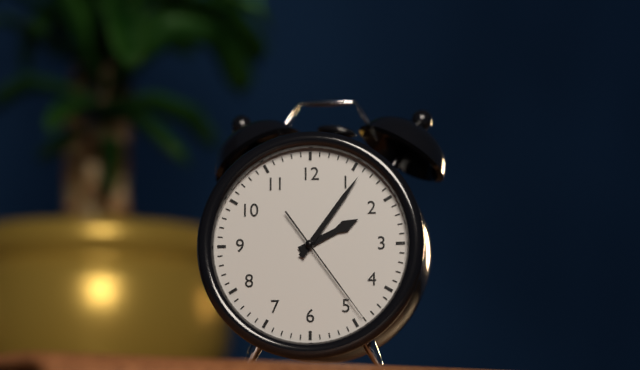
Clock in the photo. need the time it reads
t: 2:06:24
